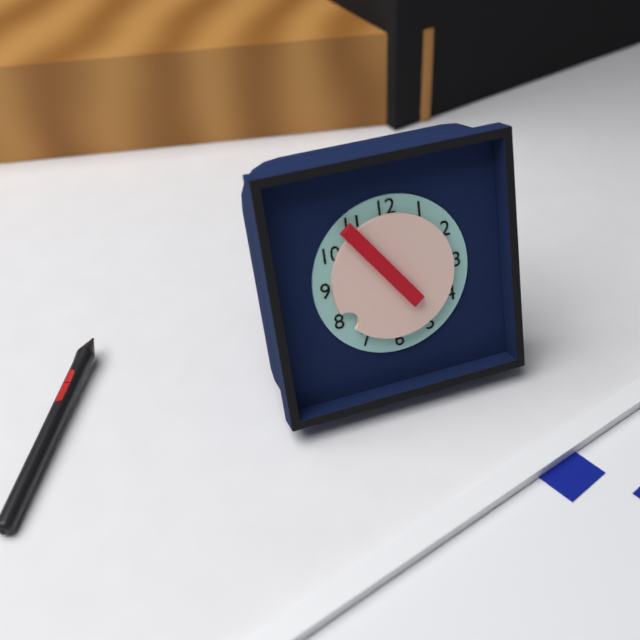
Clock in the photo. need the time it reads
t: 7:54
